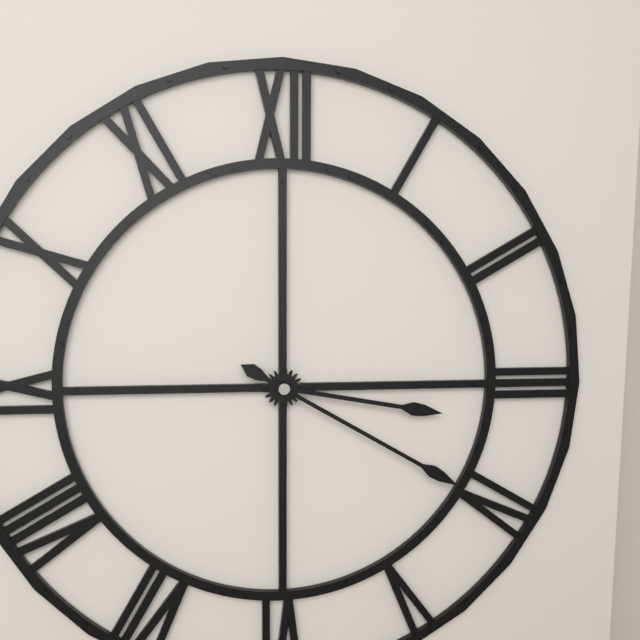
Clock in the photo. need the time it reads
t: 3:20
